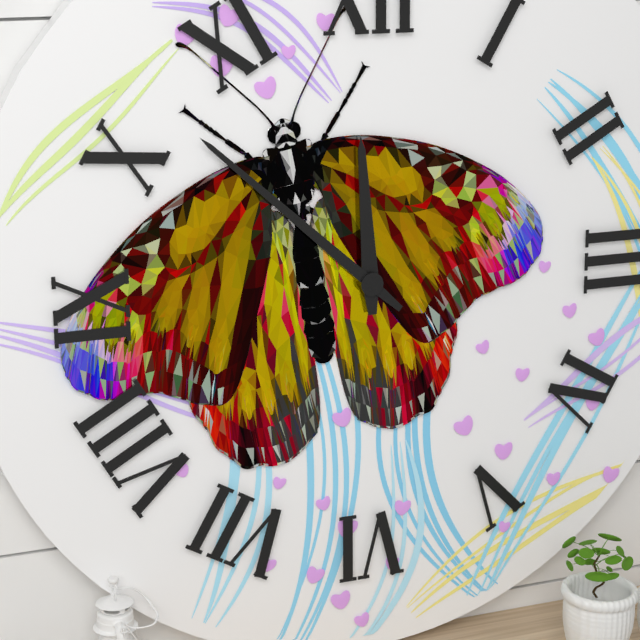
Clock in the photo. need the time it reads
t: 11:52
